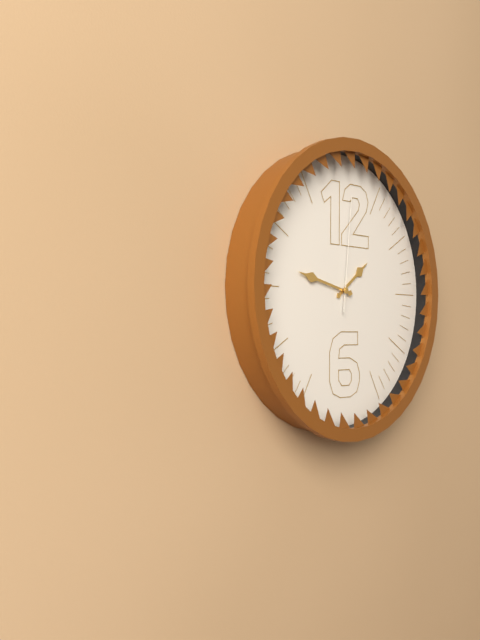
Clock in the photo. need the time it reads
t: 1:47:01
